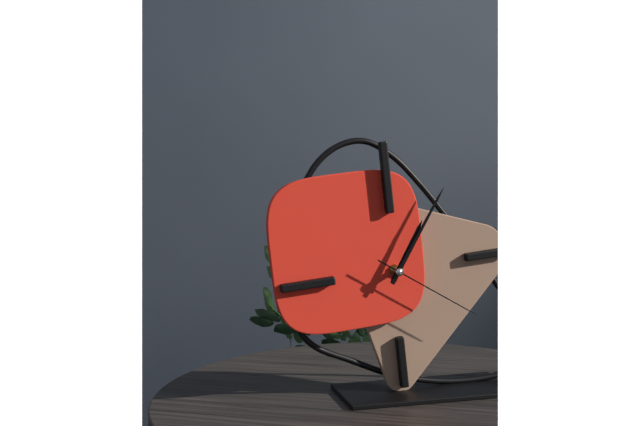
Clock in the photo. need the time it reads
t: 1:06:21
